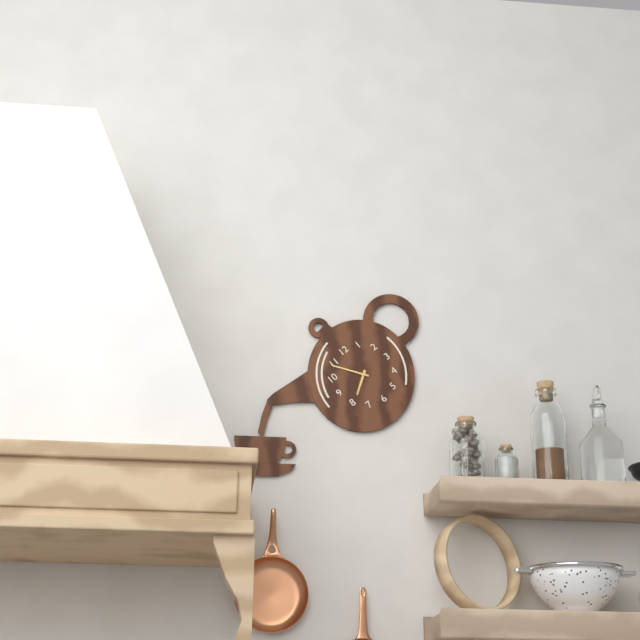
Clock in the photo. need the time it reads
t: 7:54
